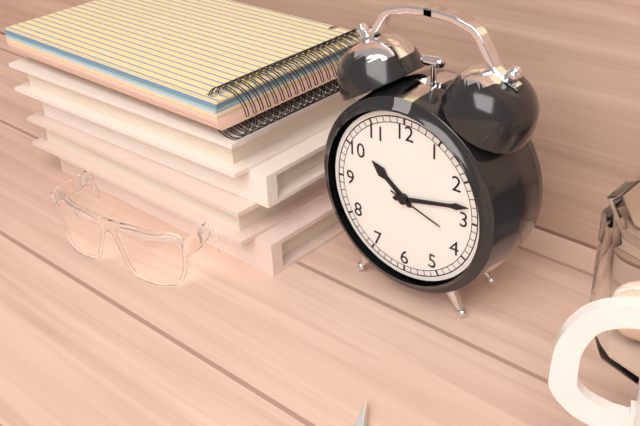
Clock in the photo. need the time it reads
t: 10:13:18
